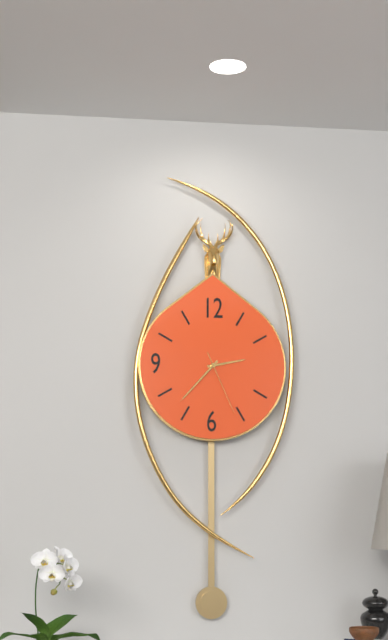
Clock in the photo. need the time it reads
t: 2:37:26
